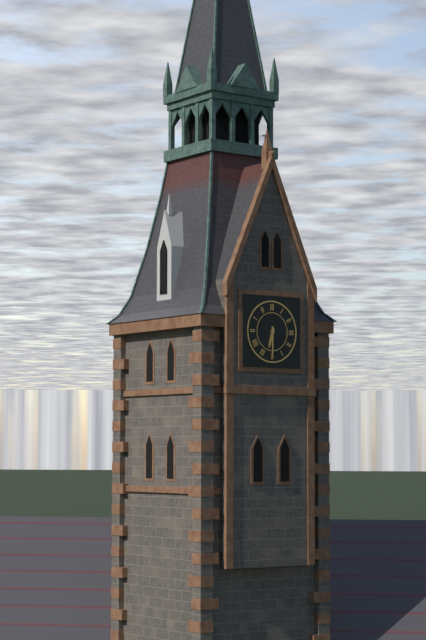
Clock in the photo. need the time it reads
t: 6:30
